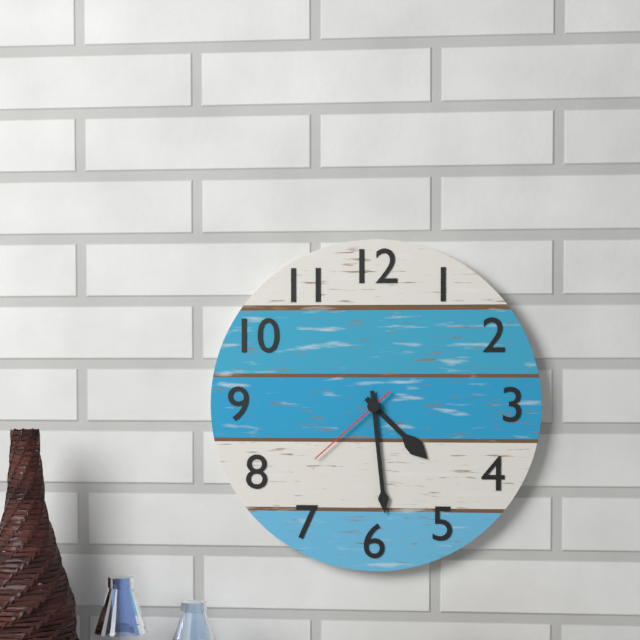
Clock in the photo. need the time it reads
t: 4:29:38
